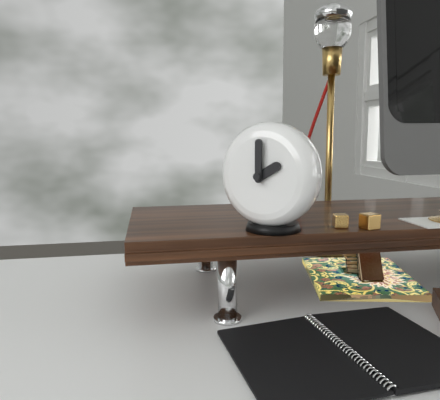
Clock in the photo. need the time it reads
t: 2:00
